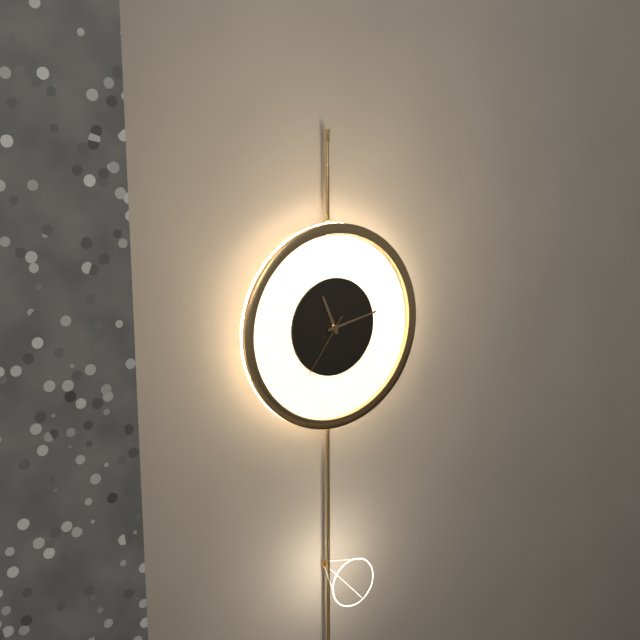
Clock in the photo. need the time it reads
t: 11:13:36
